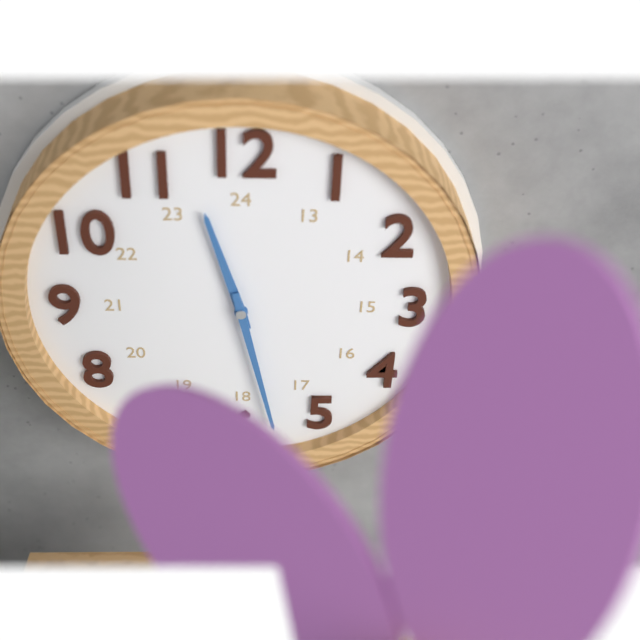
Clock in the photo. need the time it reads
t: 11:28
